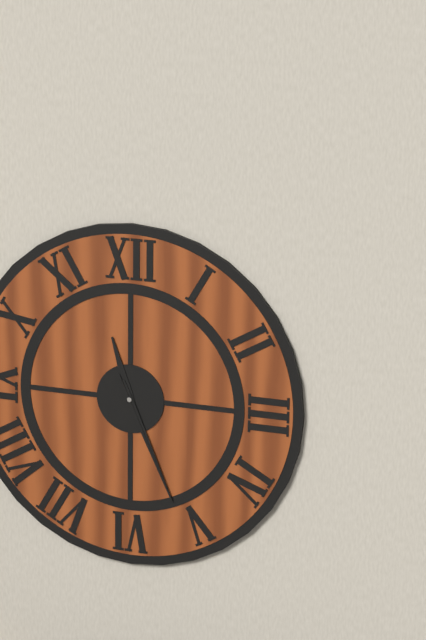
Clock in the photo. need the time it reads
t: 11:26:26
